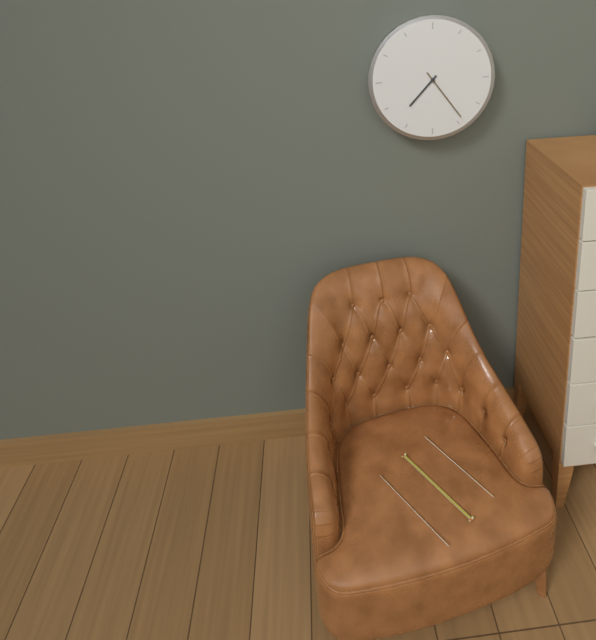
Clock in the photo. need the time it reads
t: 7:24
